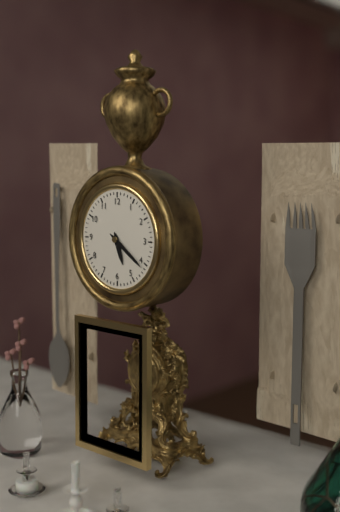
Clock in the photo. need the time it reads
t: 5:21
